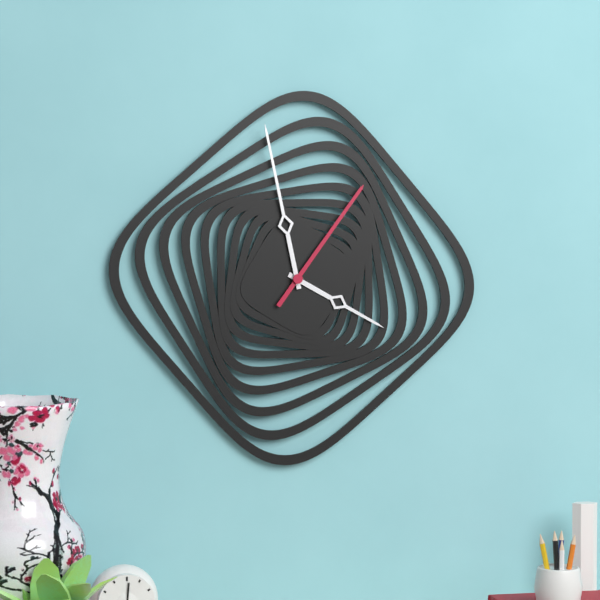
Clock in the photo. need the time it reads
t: 3:58:06
